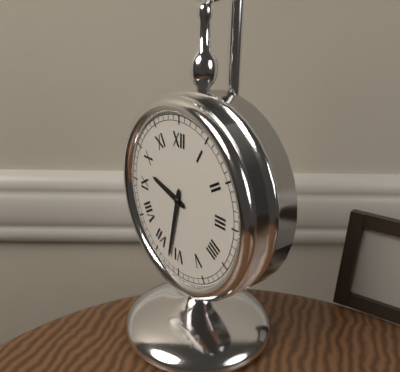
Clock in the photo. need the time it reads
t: 9:32
